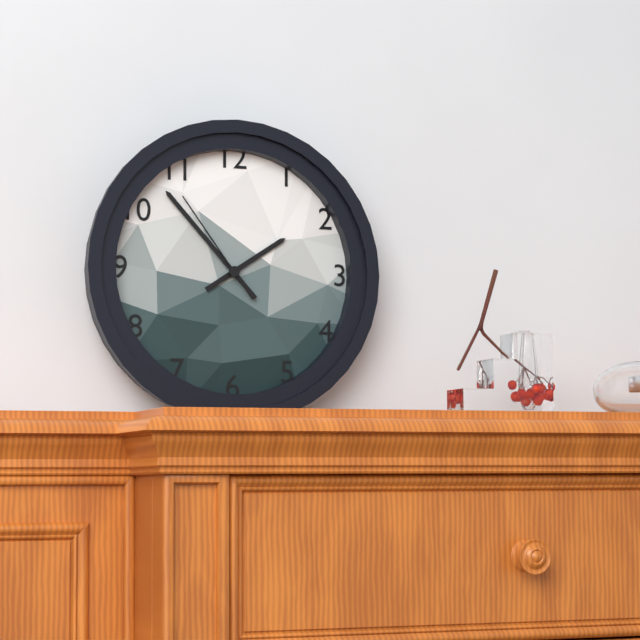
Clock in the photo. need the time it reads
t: 1:53:54
